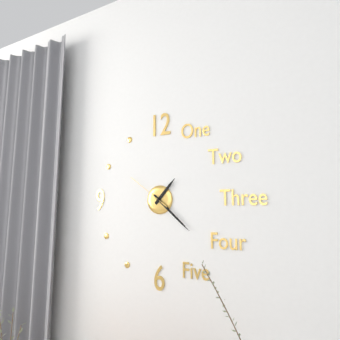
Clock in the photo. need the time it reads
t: 1:22
